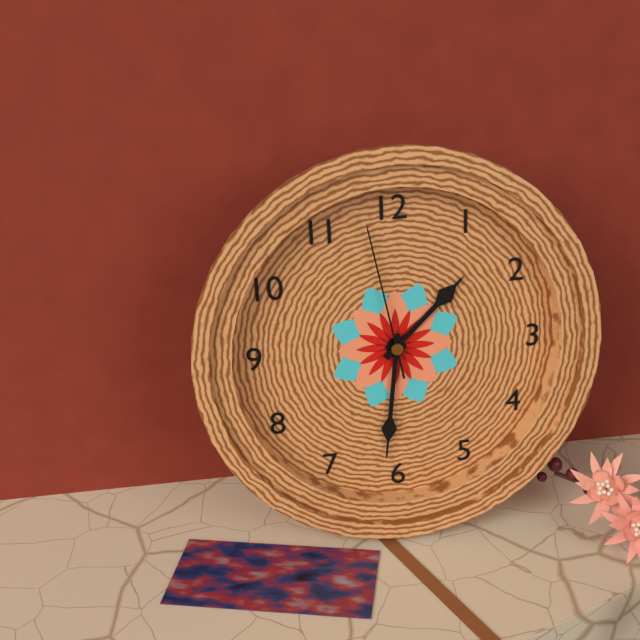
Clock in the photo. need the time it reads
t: 1:31:58
